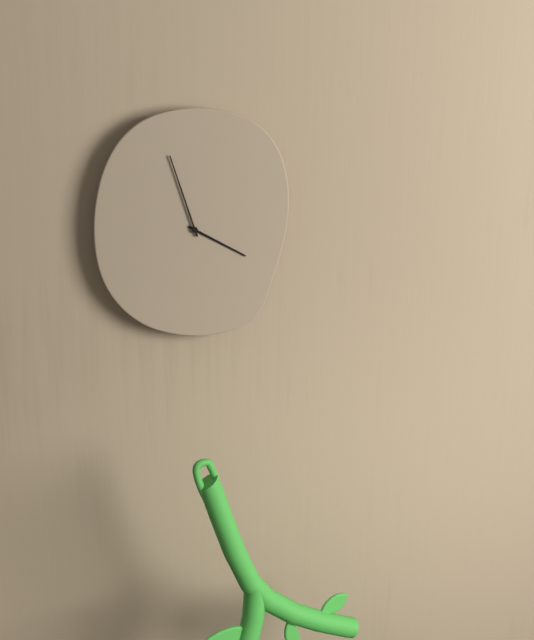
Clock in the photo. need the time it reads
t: 3:57
